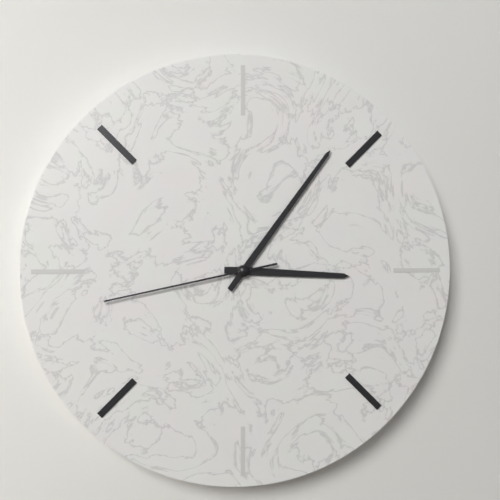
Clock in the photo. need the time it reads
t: 3:06:43
